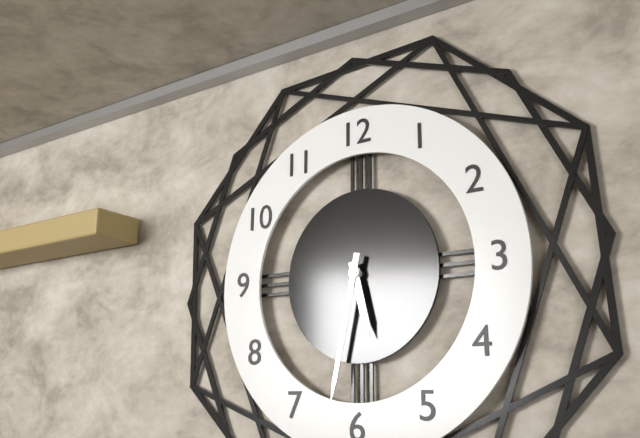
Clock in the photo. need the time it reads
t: 5:32
